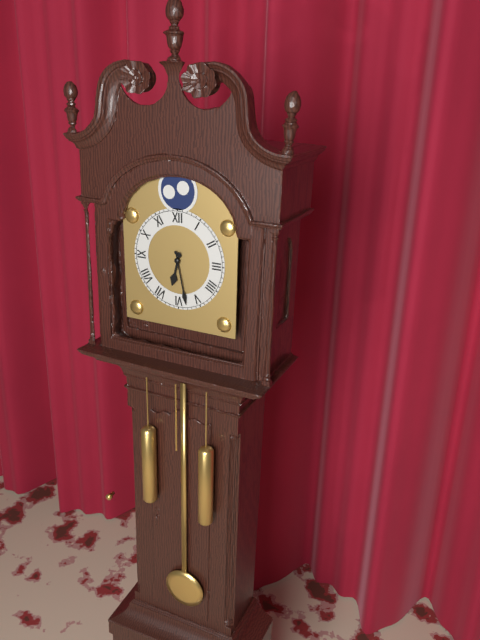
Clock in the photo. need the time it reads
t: 6:28
